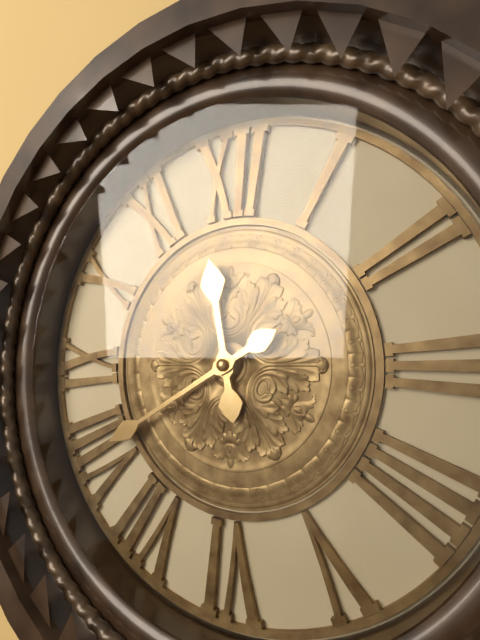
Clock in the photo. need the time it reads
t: 11:40
